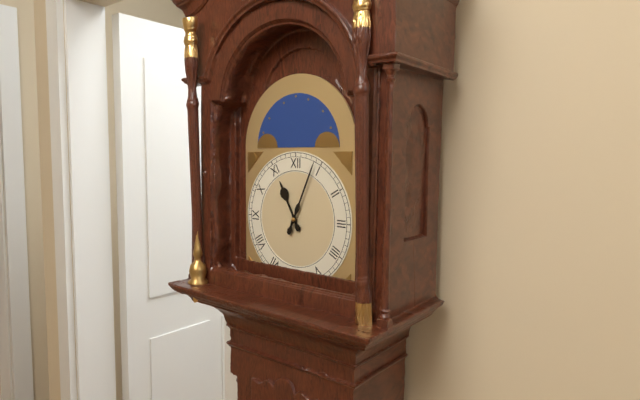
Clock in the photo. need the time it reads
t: 11:04
